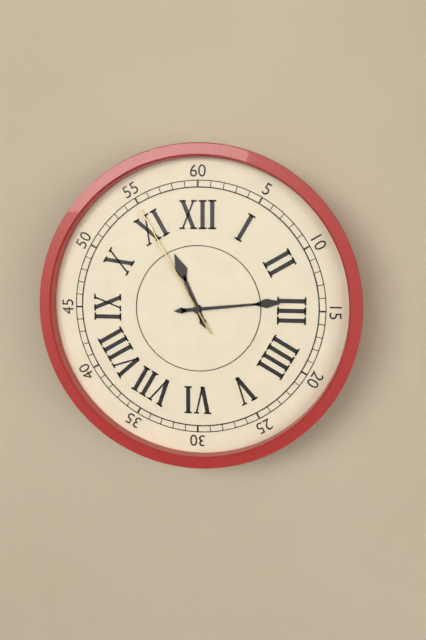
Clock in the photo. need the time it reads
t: 11:14:55
